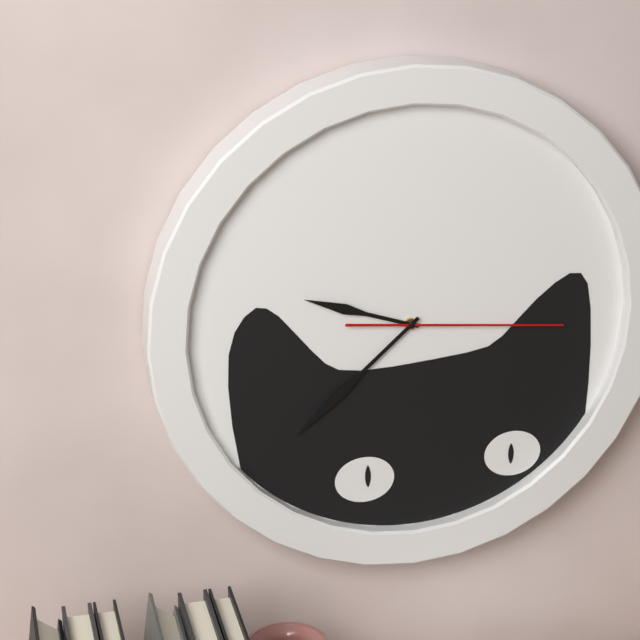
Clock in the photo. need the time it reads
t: 9:38:16
